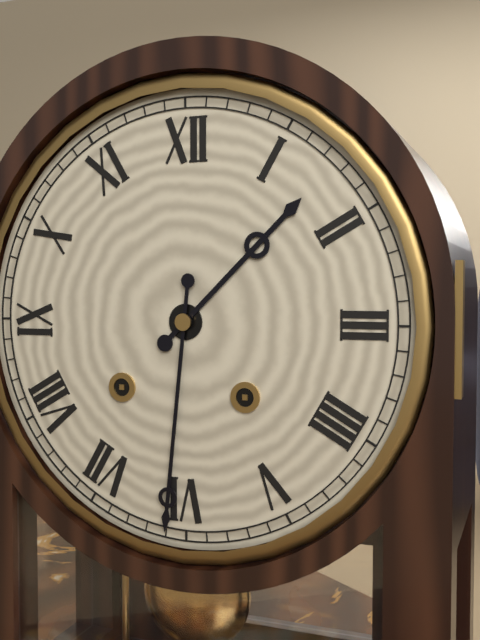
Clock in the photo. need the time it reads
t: 1:31
